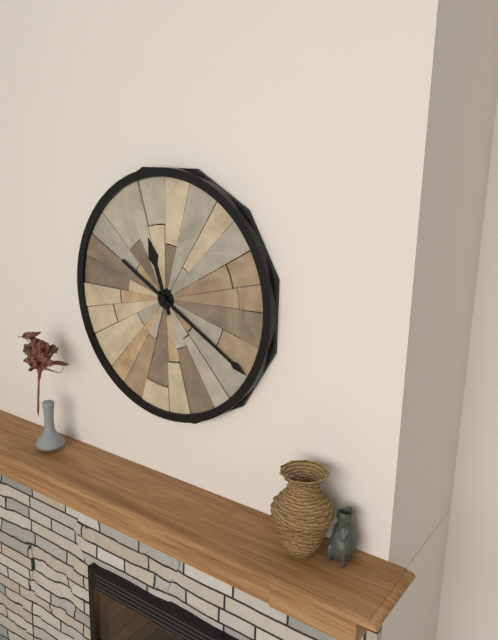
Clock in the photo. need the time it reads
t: 11:20
